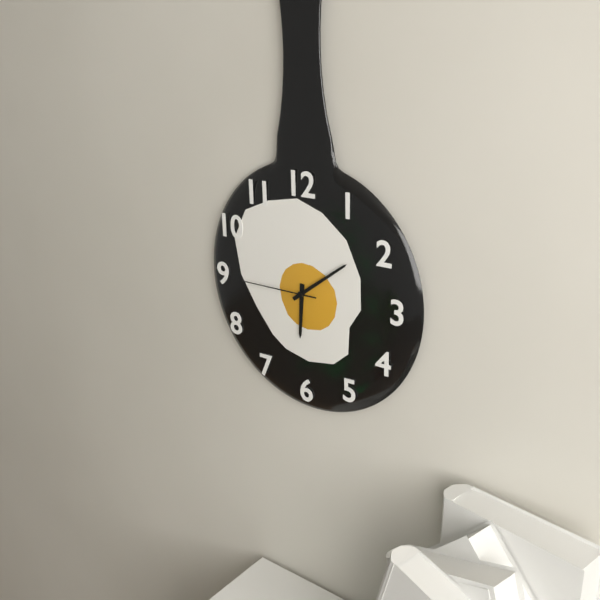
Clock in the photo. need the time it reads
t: 6:09:45
